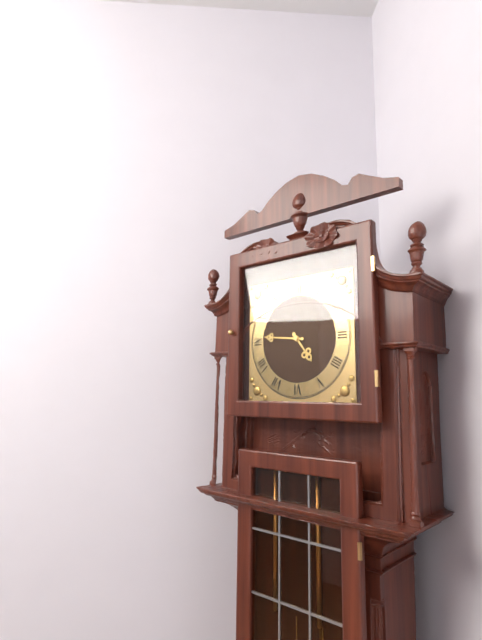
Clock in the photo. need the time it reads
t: 4:46
